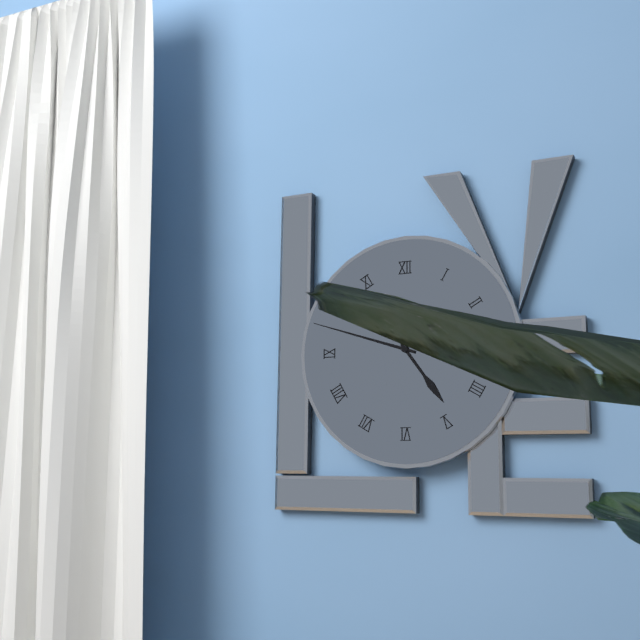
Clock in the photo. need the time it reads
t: 4:48
